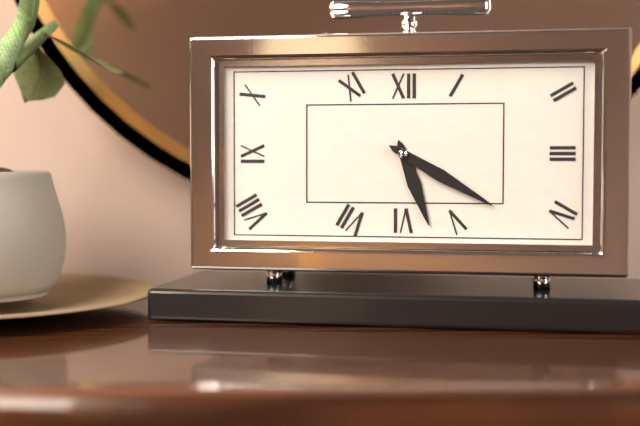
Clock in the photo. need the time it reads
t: 5:20
